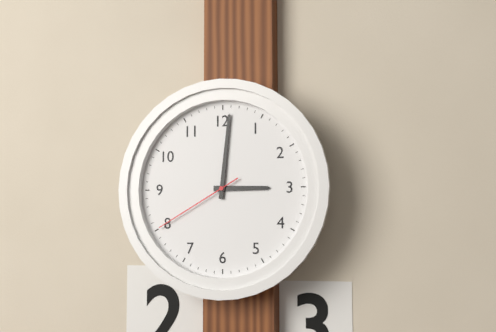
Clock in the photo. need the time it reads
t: 3:01:40
